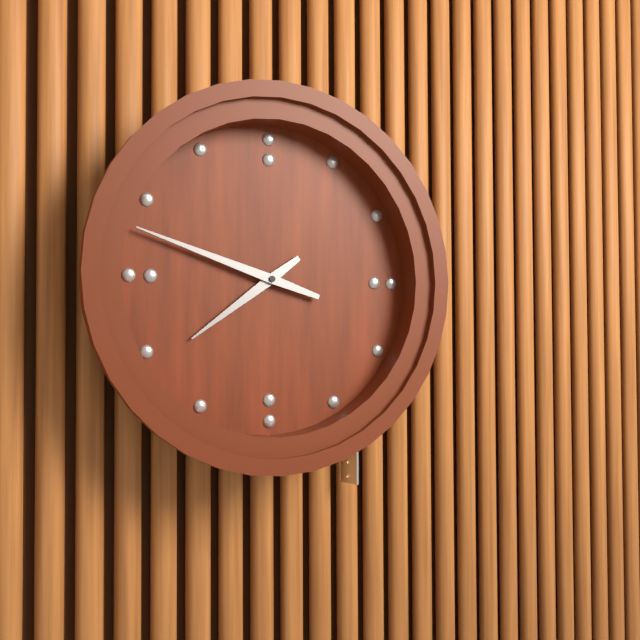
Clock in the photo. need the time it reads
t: 7:48
